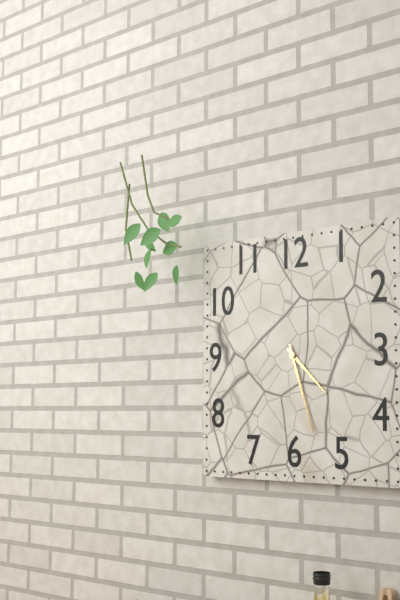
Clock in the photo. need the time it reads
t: 4:27
